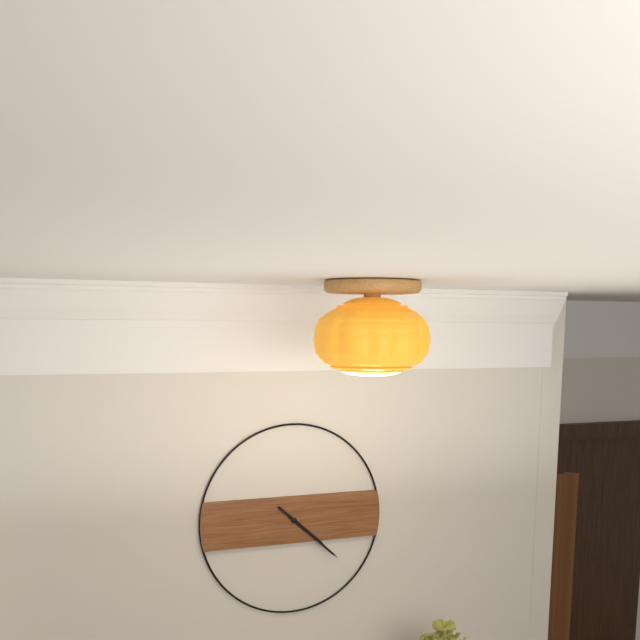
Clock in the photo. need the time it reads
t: 4:22
